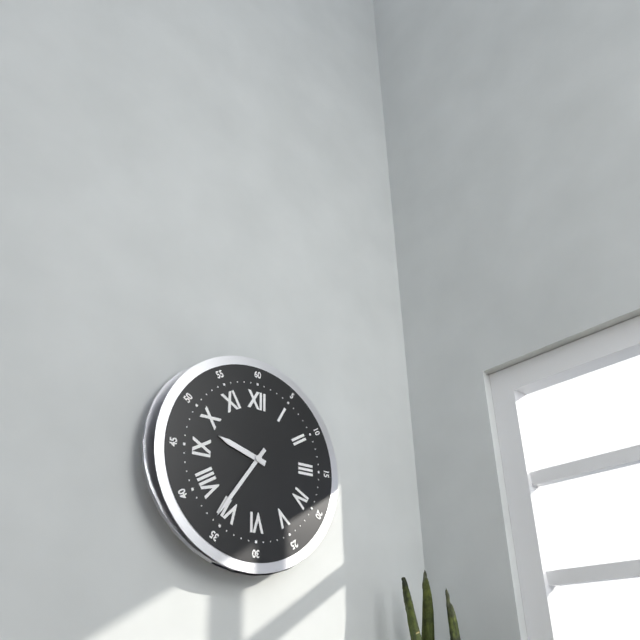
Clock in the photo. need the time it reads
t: 9:36
